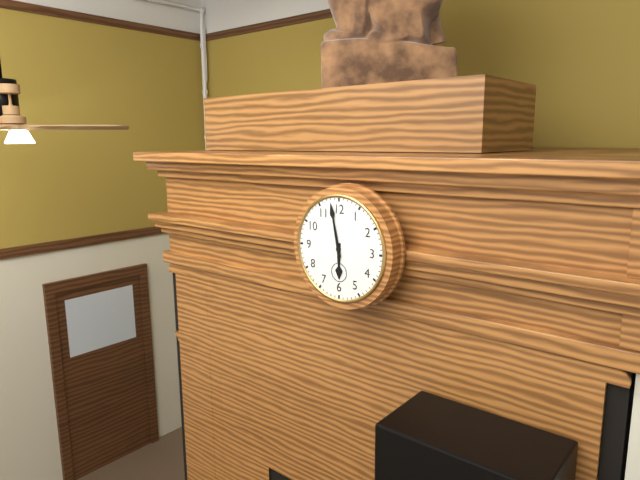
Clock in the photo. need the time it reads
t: 5:58
